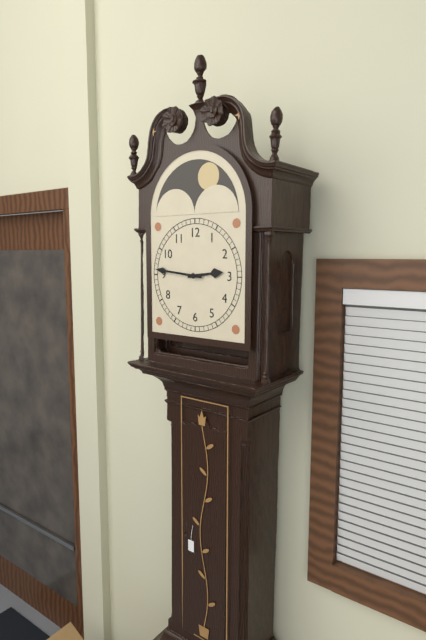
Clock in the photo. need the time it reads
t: 2:46
